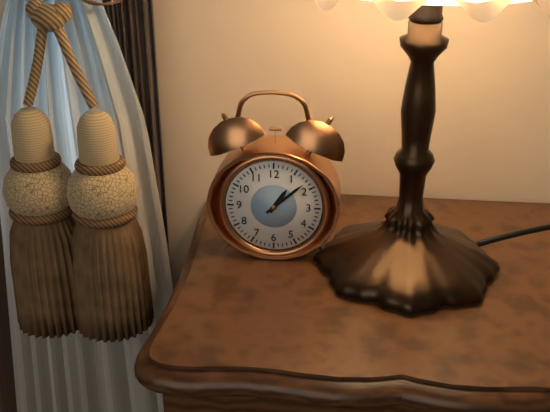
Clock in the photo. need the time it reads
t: 1:08
